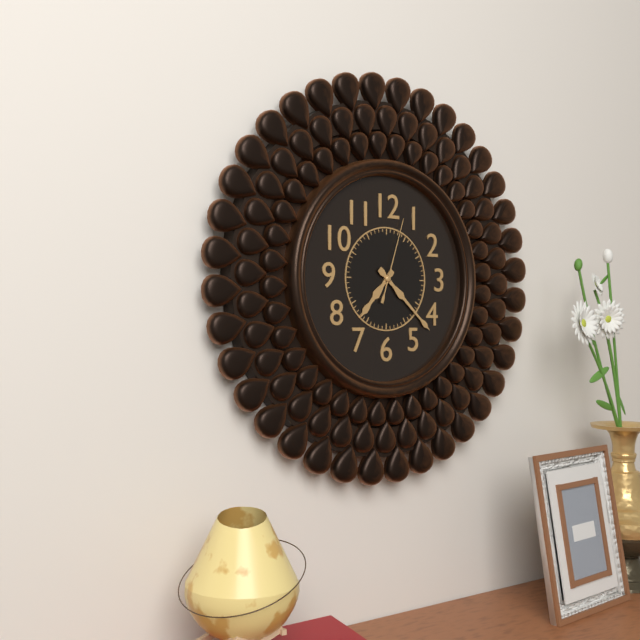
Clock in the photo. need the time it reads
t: 7:22:03
